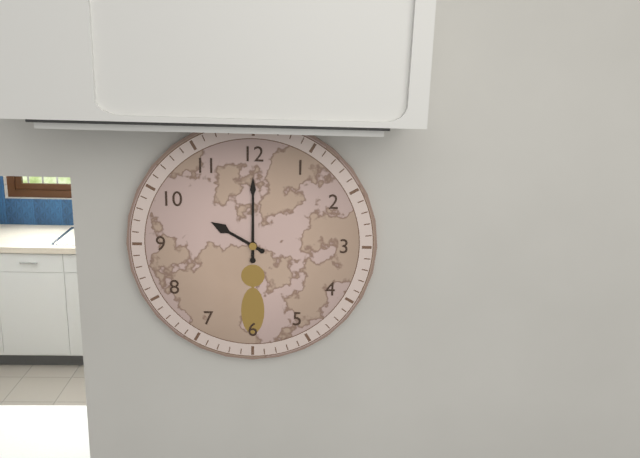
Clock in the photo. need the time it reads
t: 10:00
